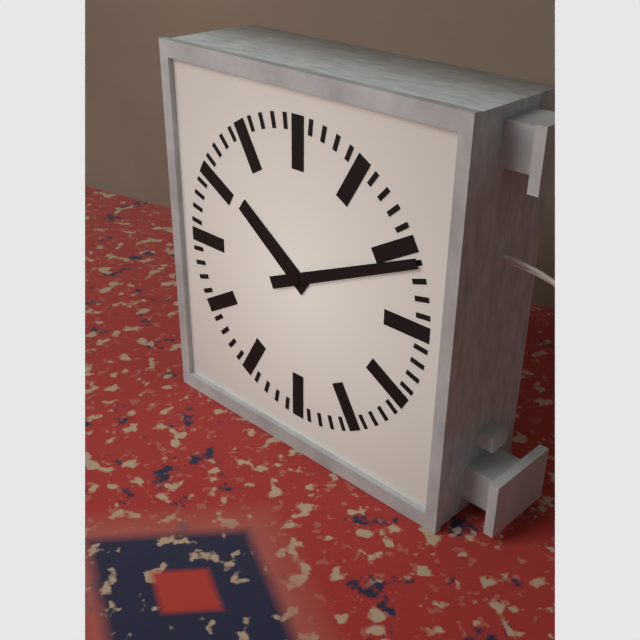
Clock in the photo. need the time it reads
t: 10:11
